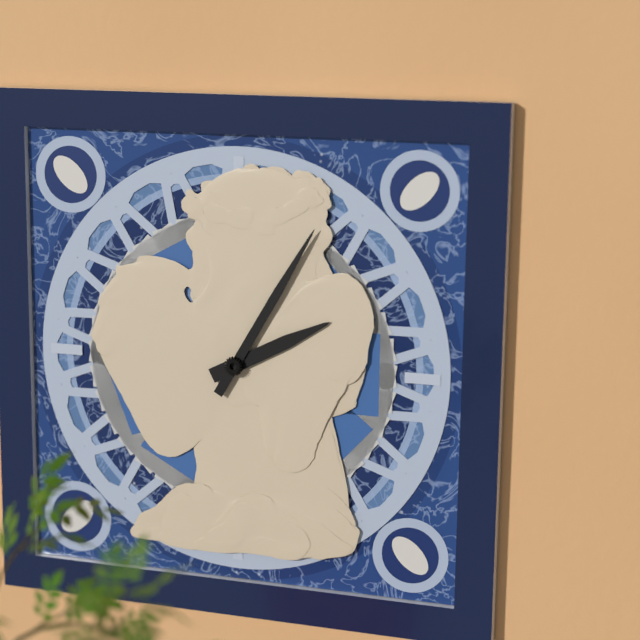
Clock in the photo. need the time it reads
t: 2:05
